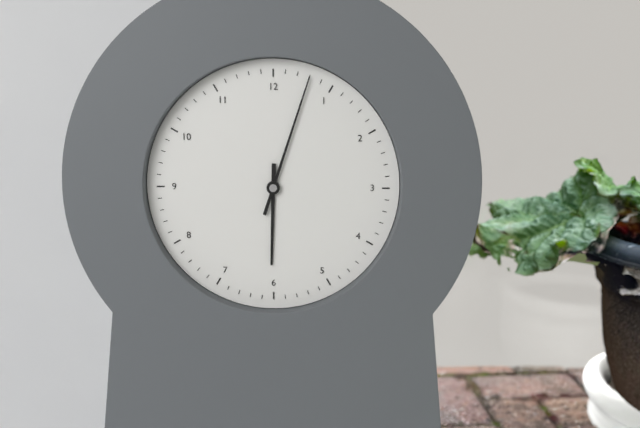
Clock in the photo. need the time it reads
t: 6:03
